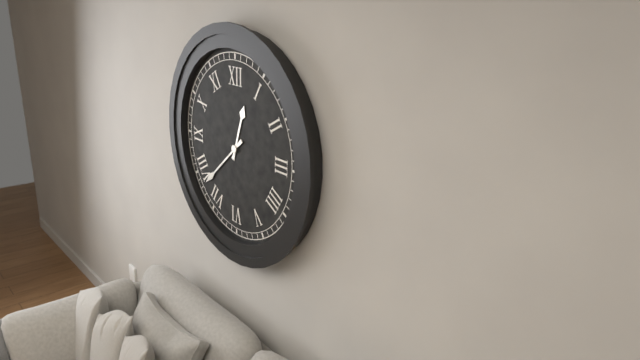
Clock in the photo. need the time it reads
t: 12:38
